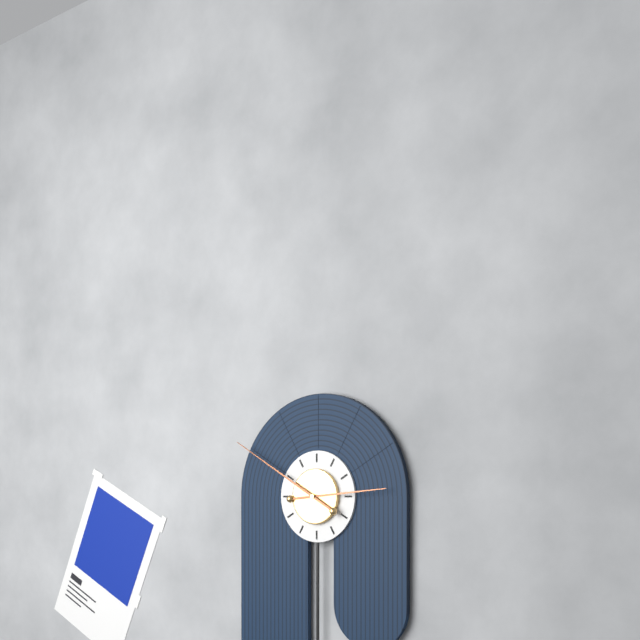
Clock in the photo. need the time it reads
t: 2:50
